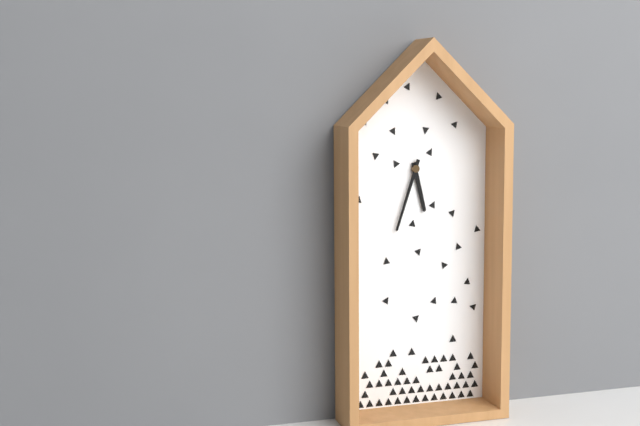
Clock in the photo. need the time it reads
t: 5:33
